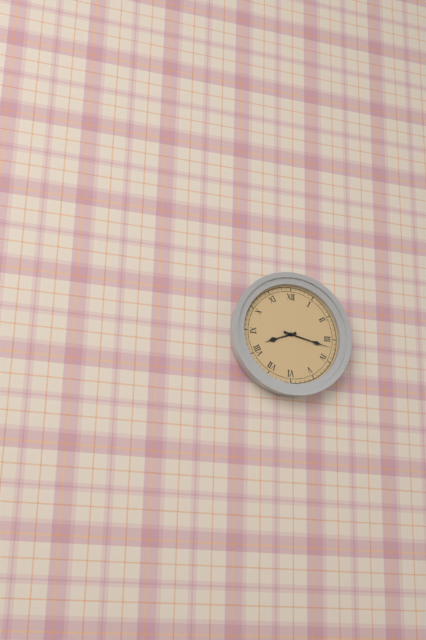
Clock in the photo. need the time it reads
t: 8:17
